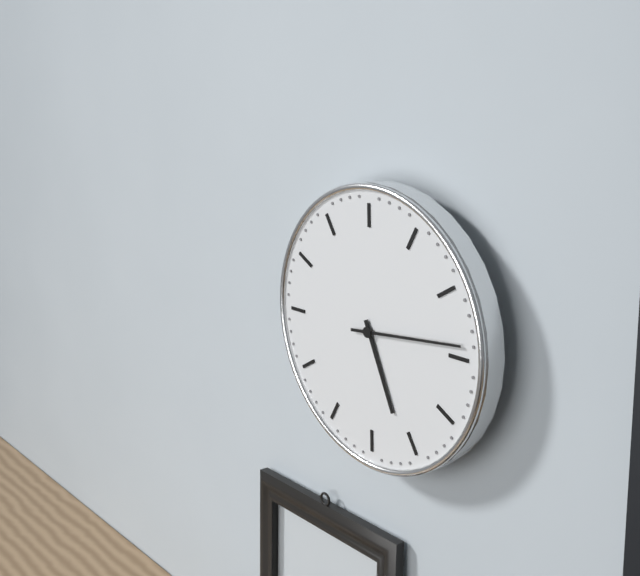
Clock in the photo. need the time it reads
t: 5:14
